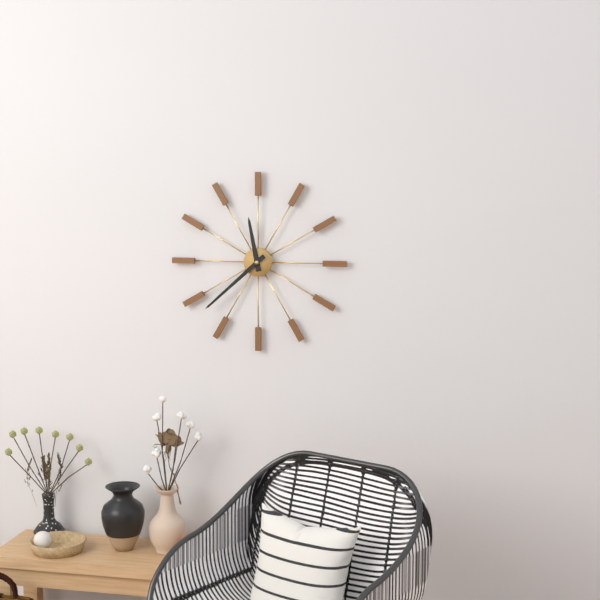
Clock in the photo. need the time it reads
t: 11:38
